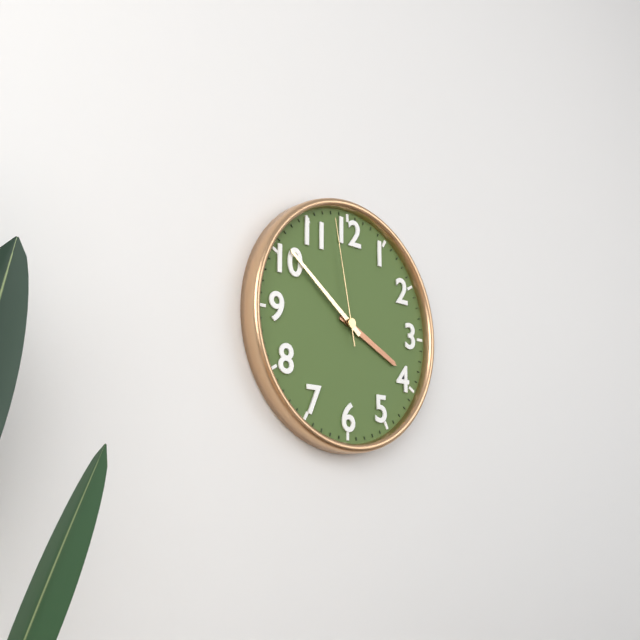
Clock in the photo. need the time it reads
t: 3:51:58
